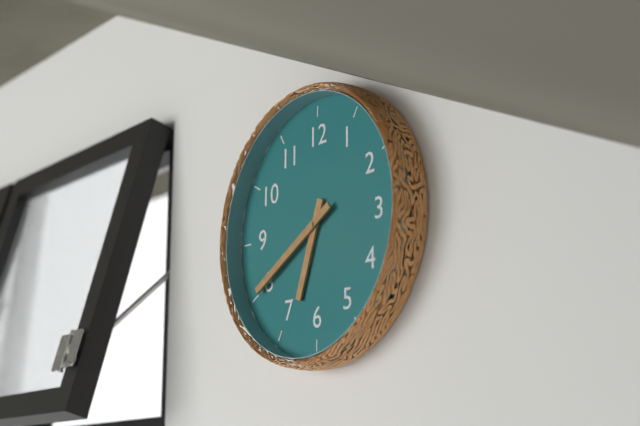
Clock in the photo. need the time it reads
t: 6:40
